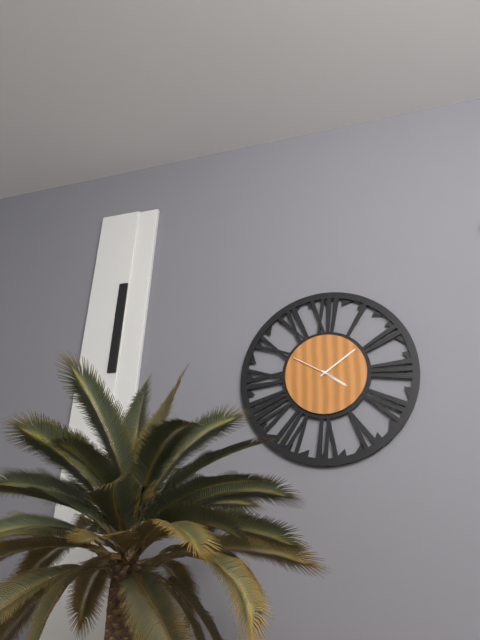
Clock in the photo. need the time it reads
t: 4:09
